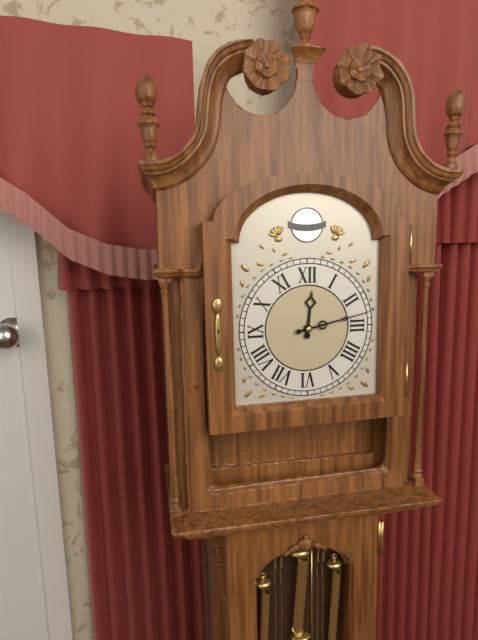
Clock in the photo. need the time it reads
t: 12:13
